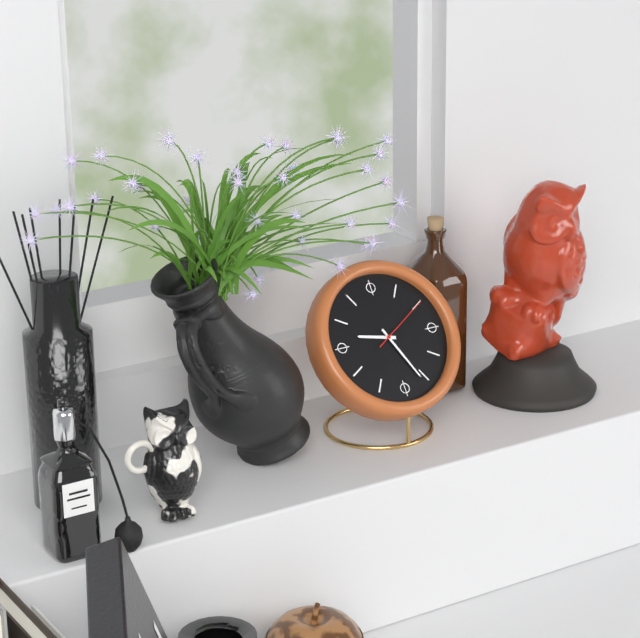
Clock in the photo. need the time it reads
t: 9:26:10
